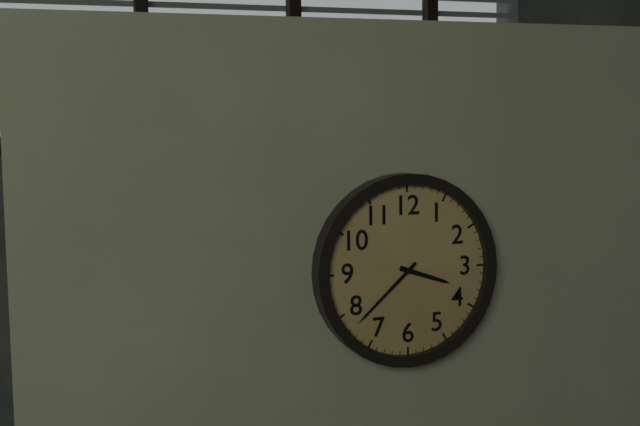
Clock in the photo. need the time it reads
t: 3:38
